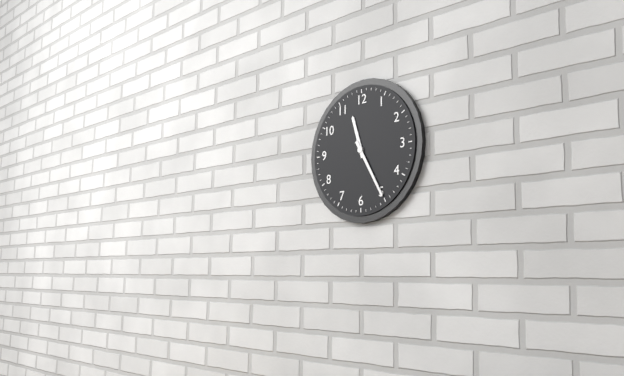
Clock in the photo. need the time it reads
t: 11:25
